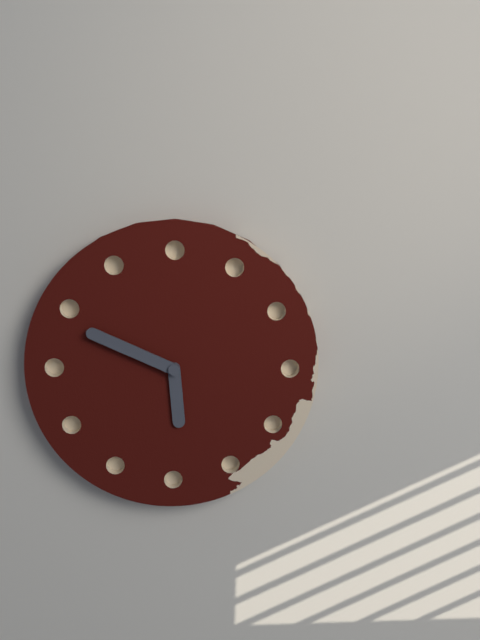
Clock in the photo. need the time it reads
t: 5:49
